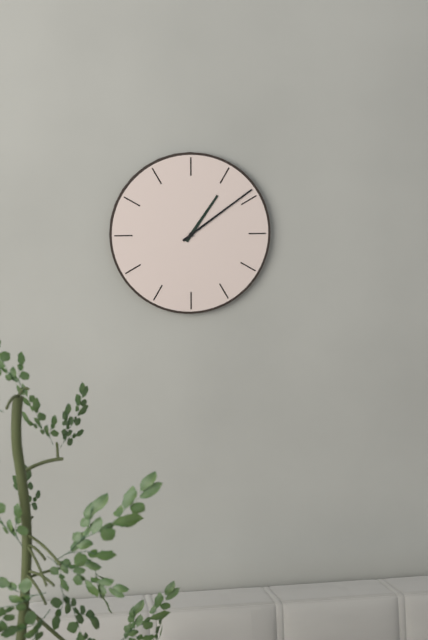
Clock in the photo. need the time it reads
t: 1:09
